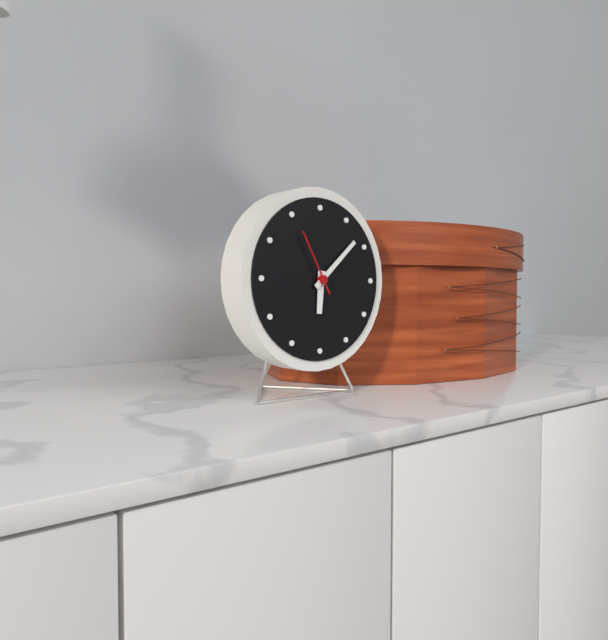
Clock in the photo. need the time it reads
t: 6:08:55
